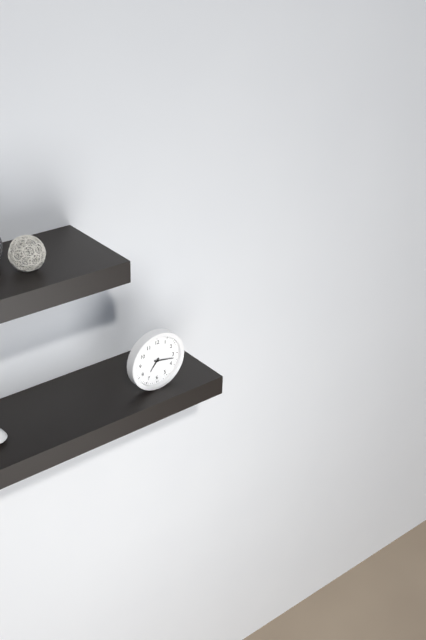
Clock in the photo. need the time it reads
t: 7:17
